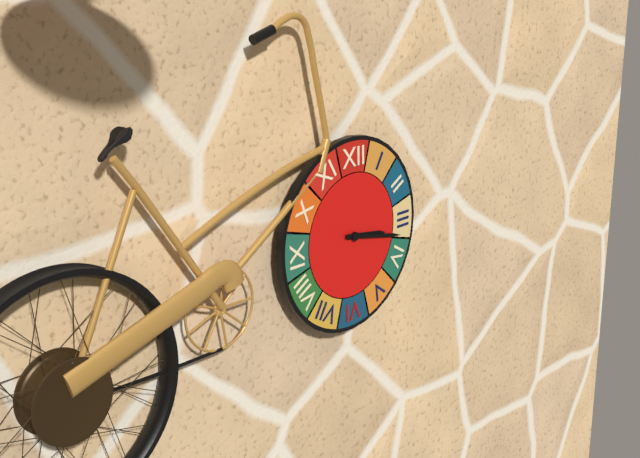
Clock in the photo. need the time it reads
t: 3:17
